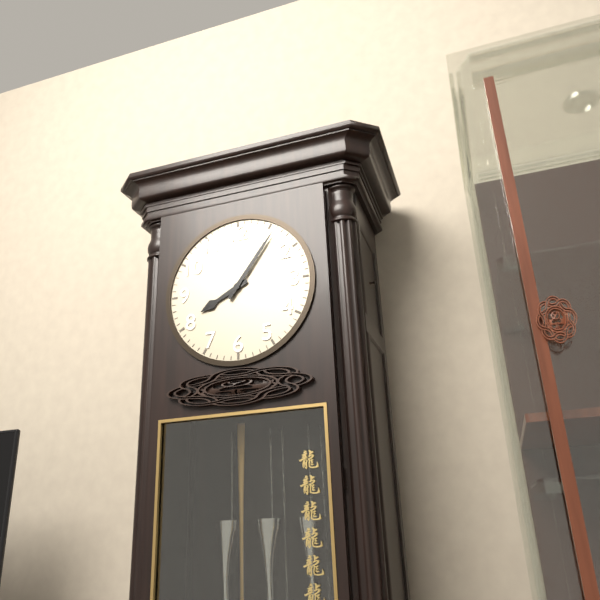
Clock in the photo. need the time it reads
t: 8:06
